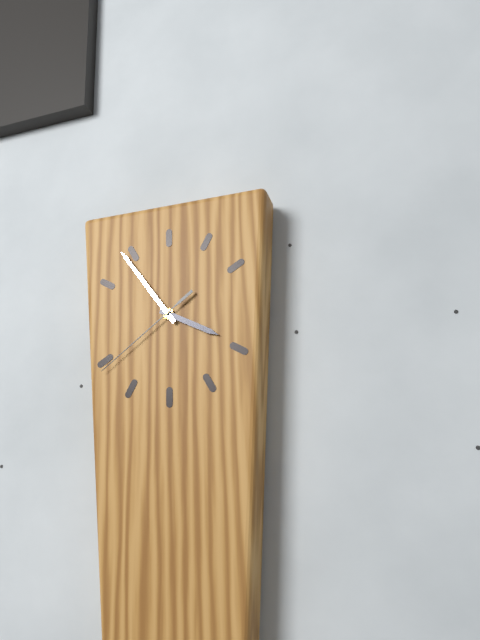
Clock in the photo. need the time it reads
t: 3:54:39
